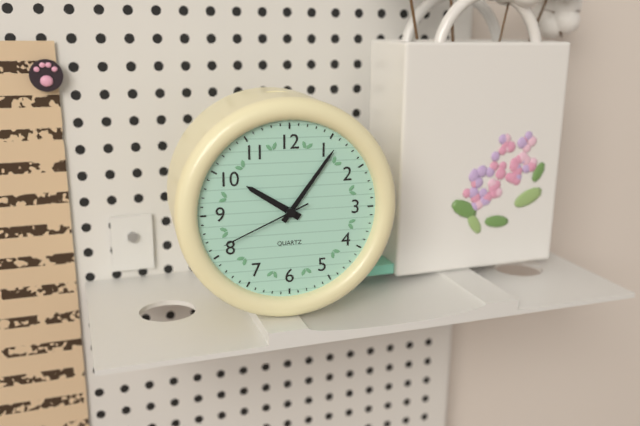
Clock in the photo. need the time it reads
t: 10:06:41
